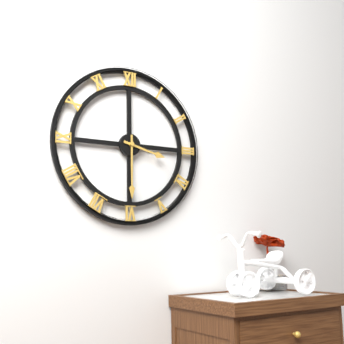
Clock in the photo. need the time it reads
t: 3:30
